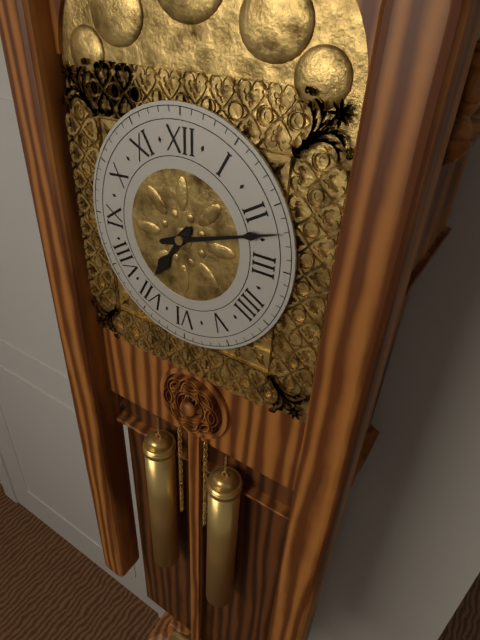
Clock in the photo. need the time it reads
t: 7:12
